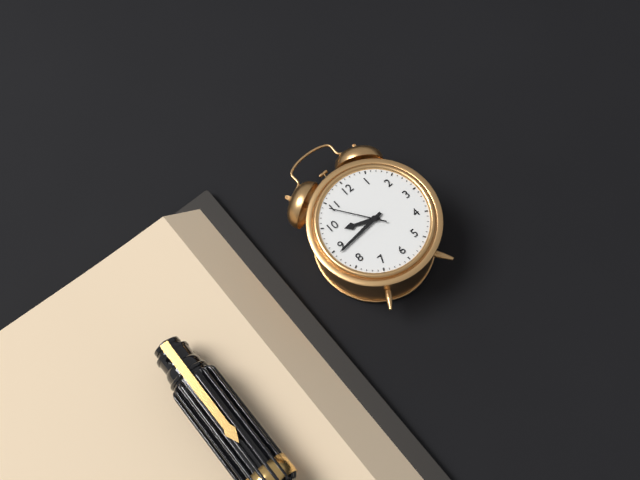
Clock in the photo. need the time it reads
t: 9:44:54
